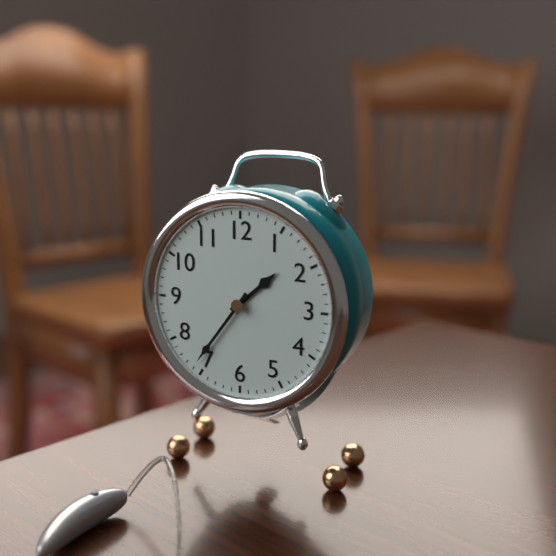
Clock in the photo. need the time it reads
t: 1:36
